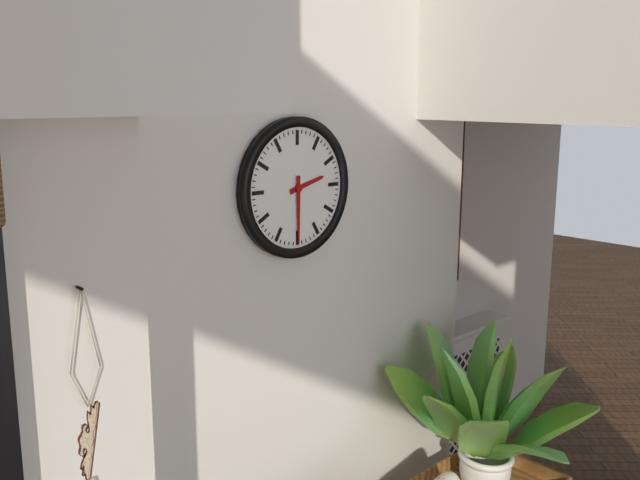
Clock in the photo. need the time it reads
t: 2:30
